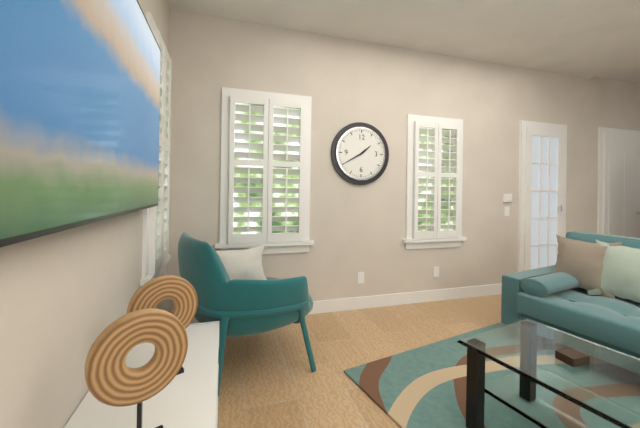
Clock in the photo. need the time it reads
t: 1:40
